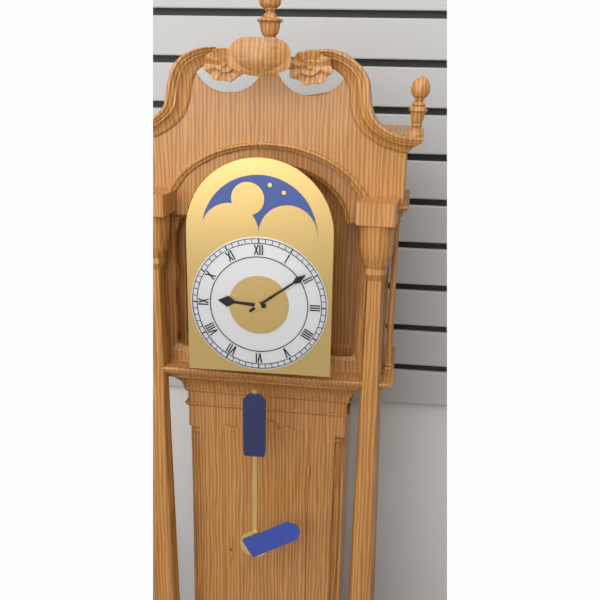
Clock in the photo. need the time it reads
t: 9:09
